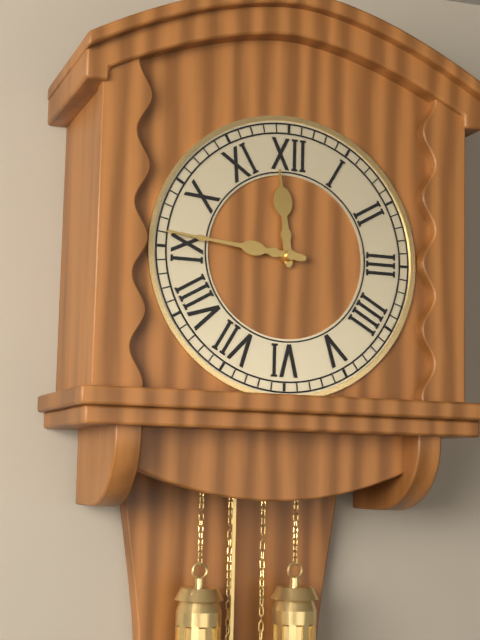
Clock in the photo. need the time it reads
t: 11:46
